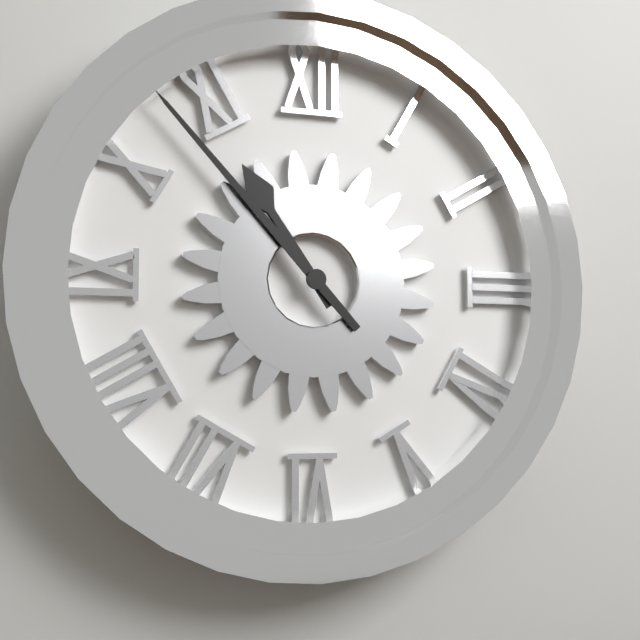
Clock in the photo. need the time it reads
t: 10:53
